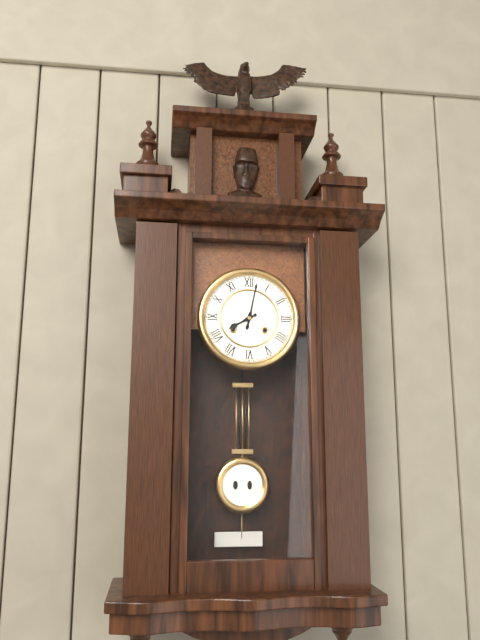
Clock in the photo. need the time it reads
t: 8:02
